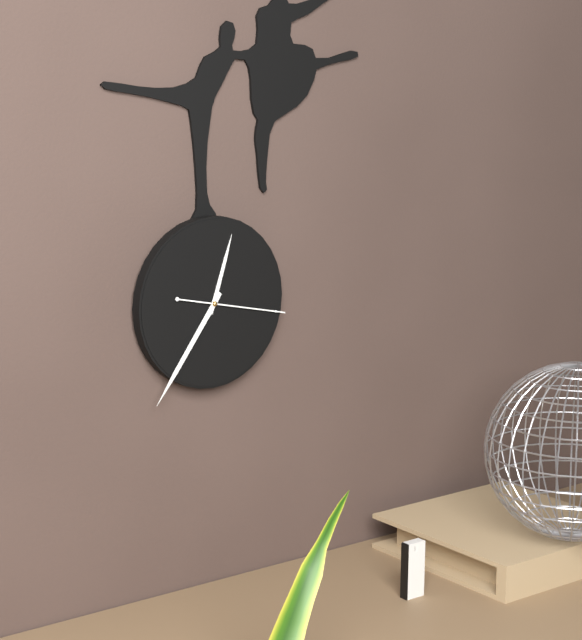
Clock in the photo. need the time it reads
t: 12:36:17
